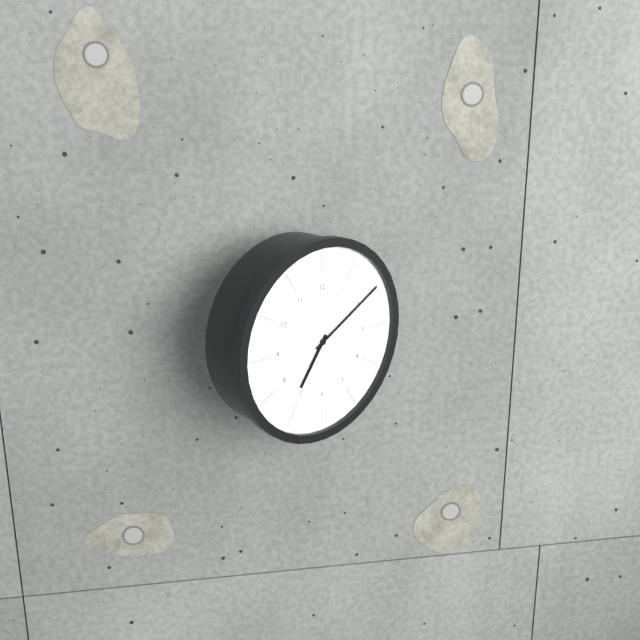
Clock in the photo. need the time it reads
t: 7:10
